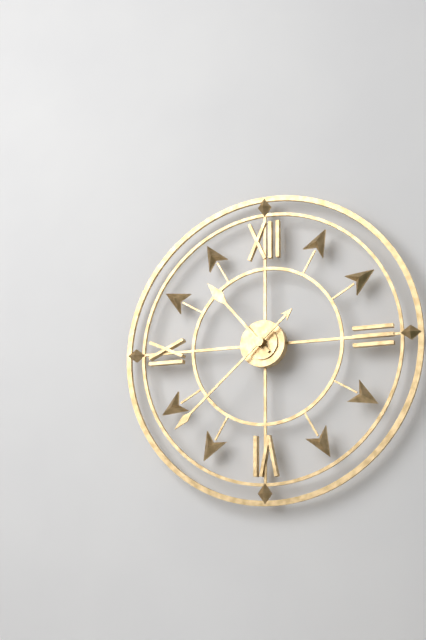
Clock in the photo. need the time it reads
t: 10:38
